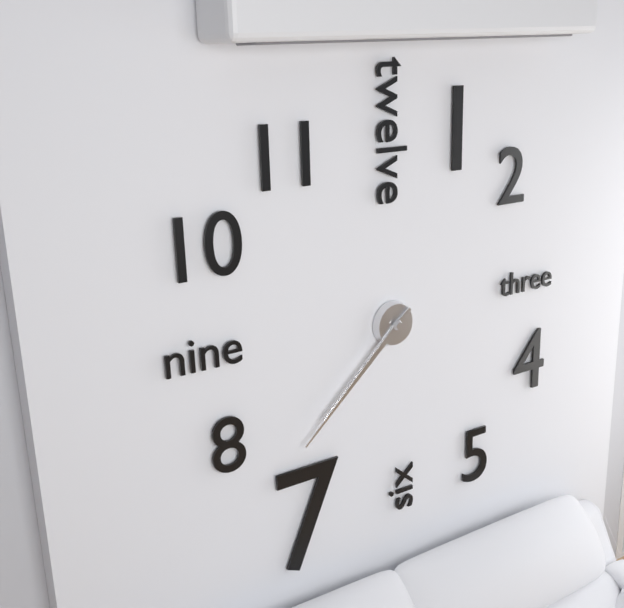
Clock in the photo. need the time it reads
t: 7:38
